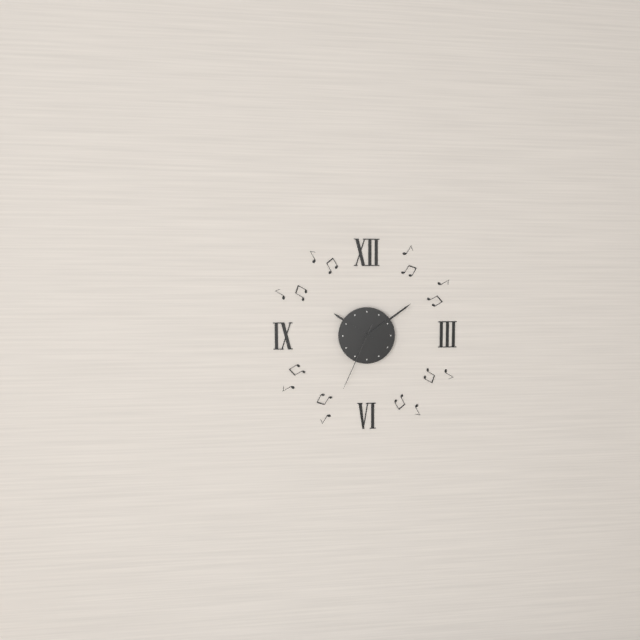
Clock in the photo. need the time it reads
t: 10:09:34
